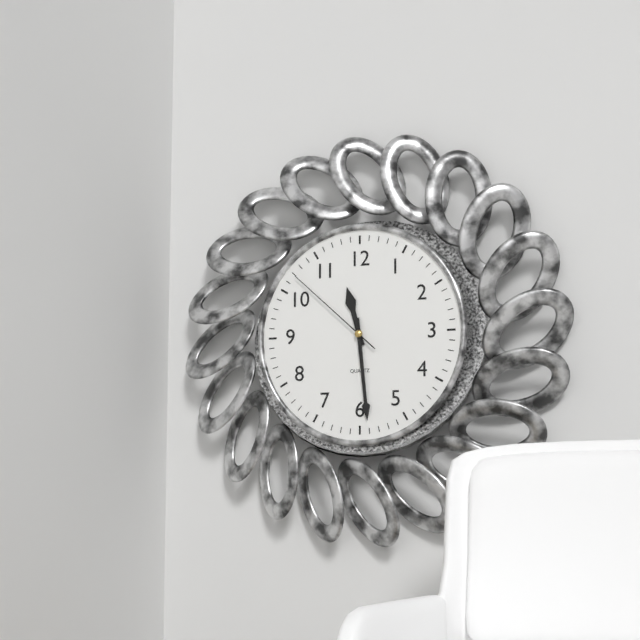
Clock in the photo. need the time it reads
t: 11:29:52
